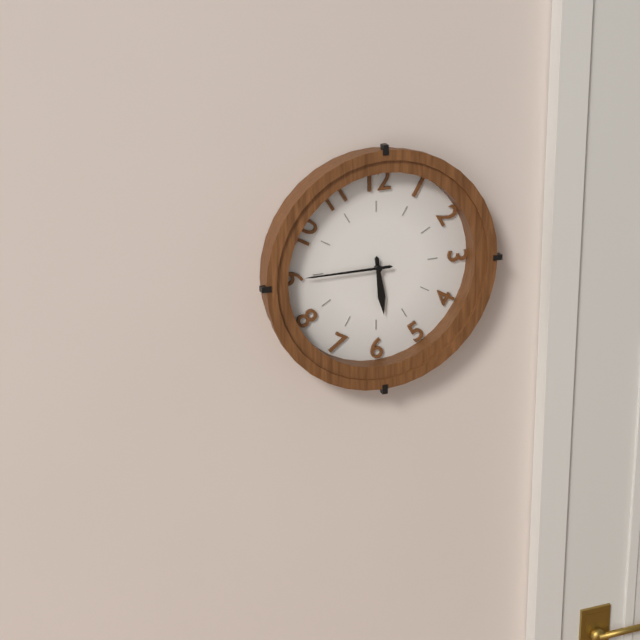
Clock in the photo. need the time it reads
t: 5:45
